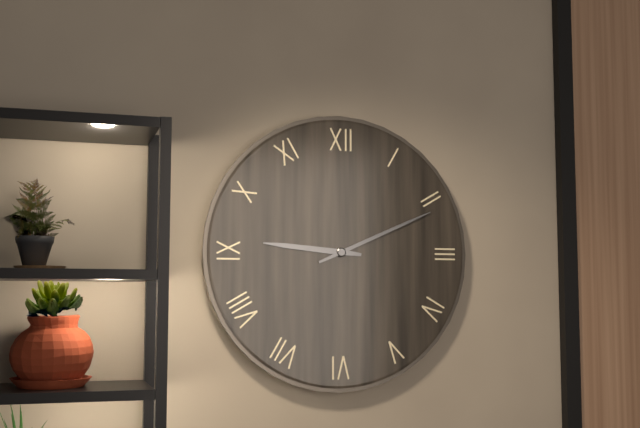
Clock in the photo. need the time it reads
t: 9:11
